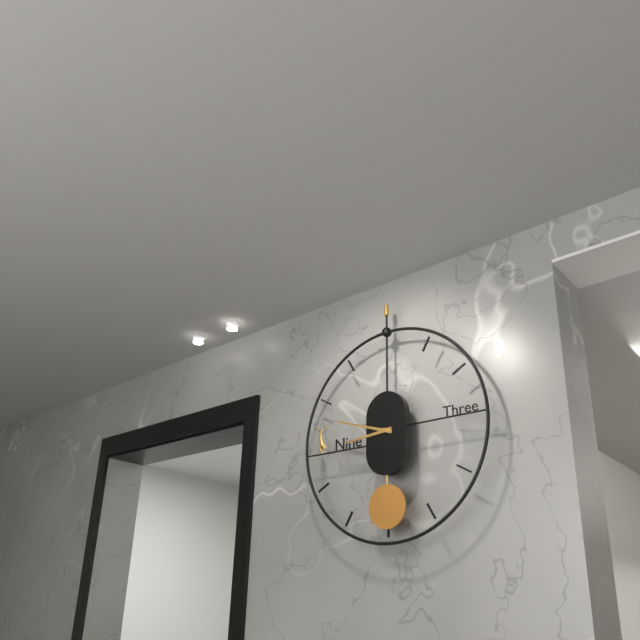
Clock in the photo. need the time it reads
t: 8:48
